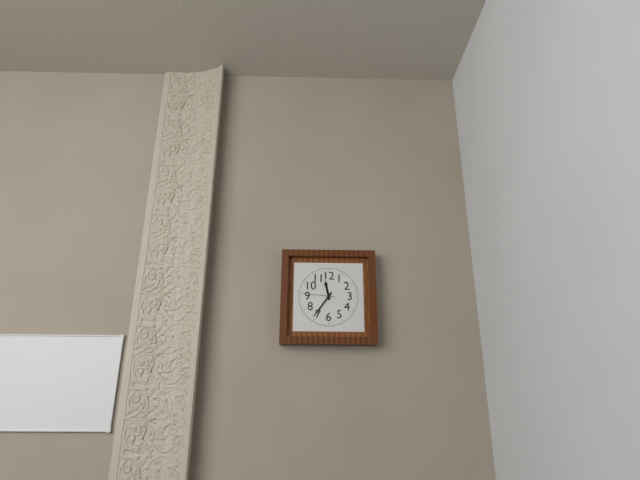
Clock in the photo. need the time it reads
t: 11:36
